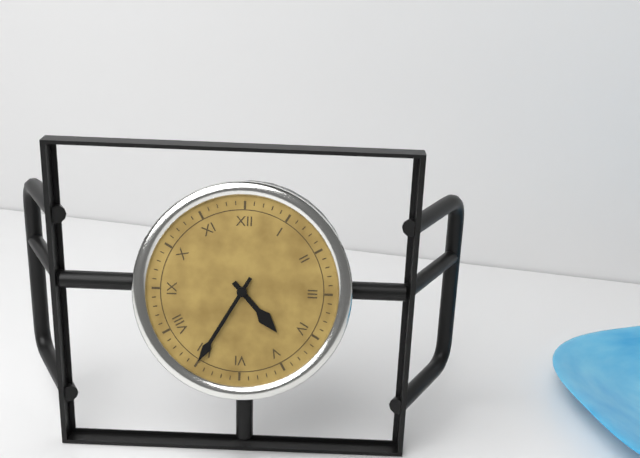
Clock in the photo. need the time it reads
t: 4:35
